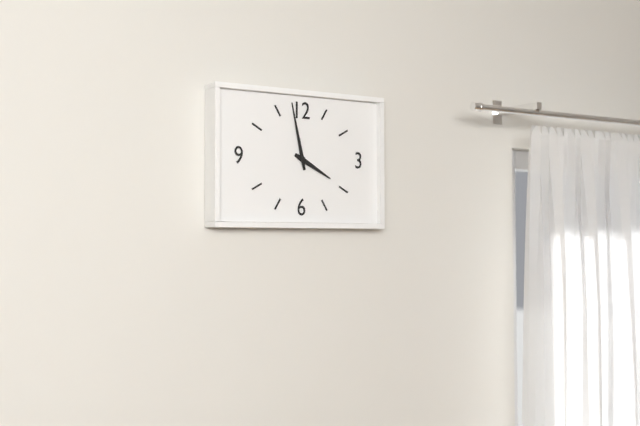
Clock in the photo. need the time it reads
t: 3:58
